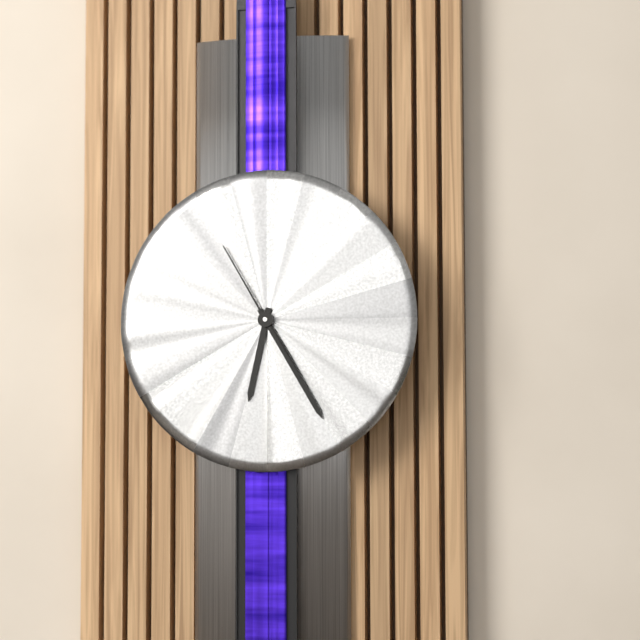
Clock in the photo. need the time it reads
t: 6:25:55
